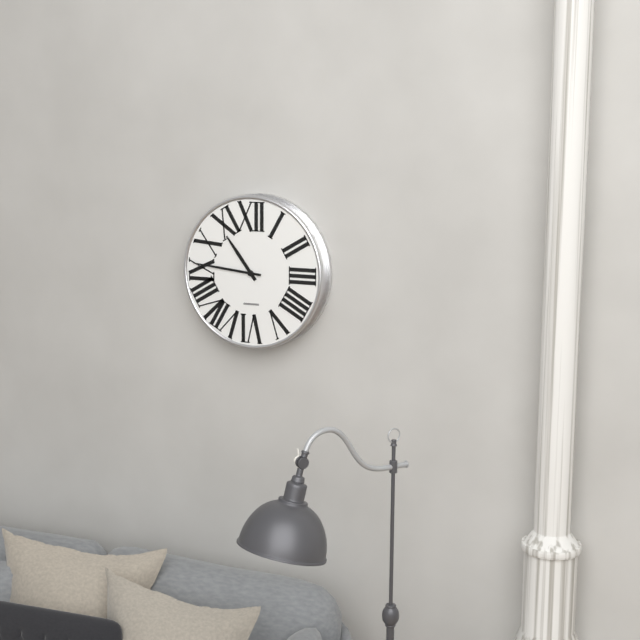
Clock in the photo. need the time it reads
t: 10:46
